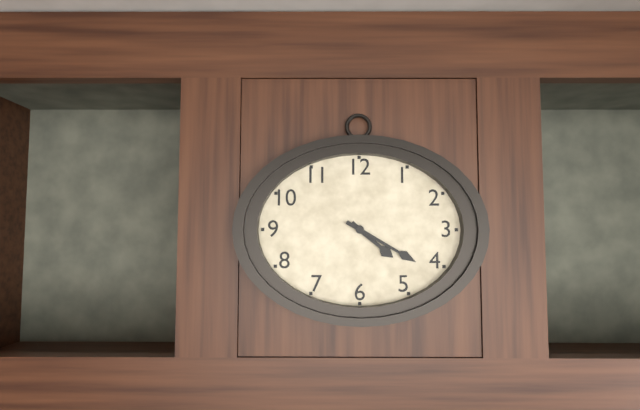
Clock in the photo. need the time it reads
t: 4:20
